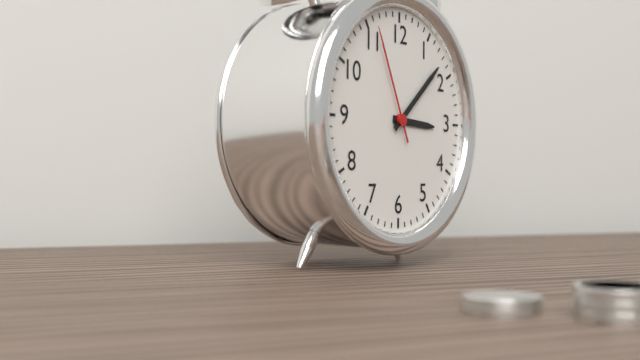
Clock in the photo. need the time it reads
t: 3:08:56
